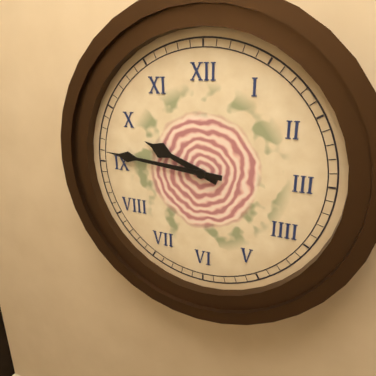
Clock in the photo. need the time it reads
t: 9:46
